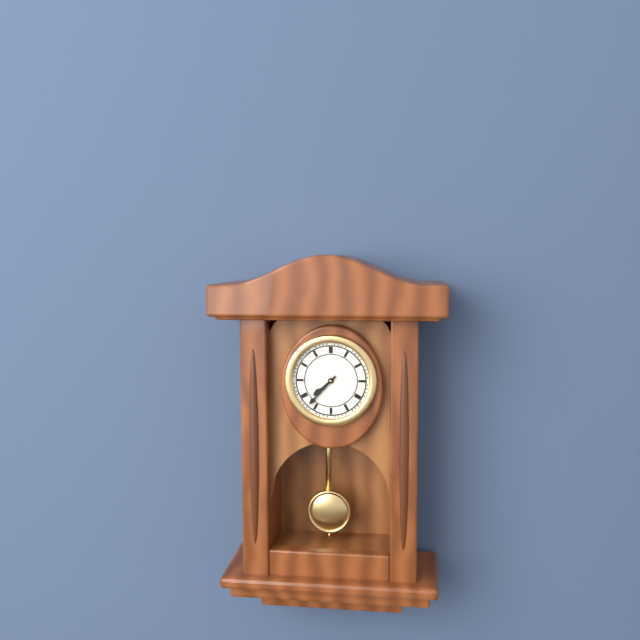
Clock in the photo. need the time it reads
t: 7:37
